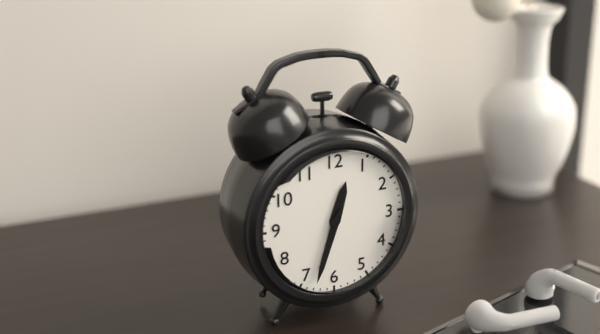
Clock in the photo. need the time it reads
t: 12:33
